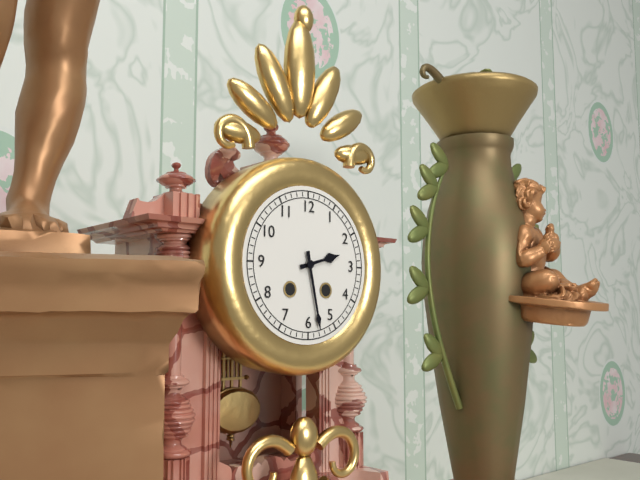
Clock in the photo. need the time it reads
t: 2:28
